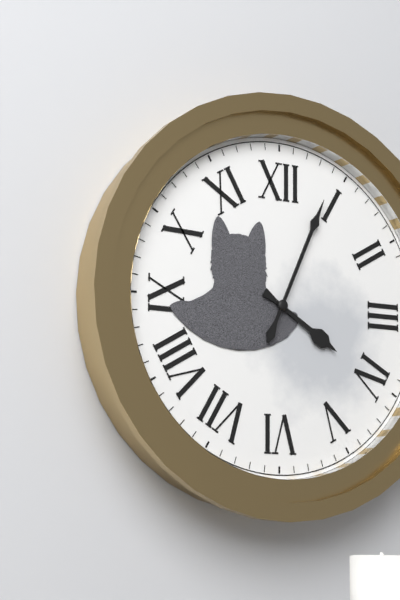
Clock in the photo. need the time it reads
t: 4:04
